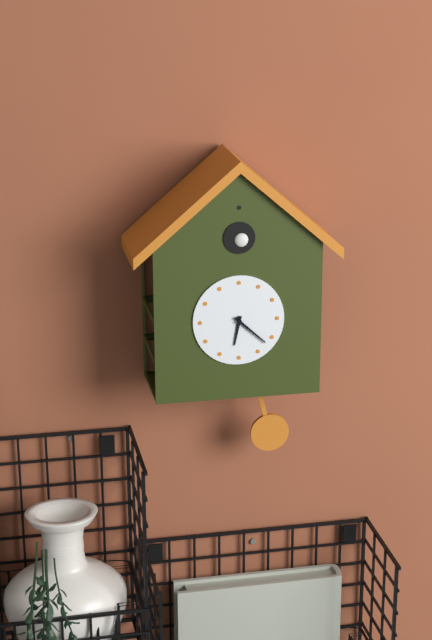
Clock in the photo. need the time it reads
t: 6:22
